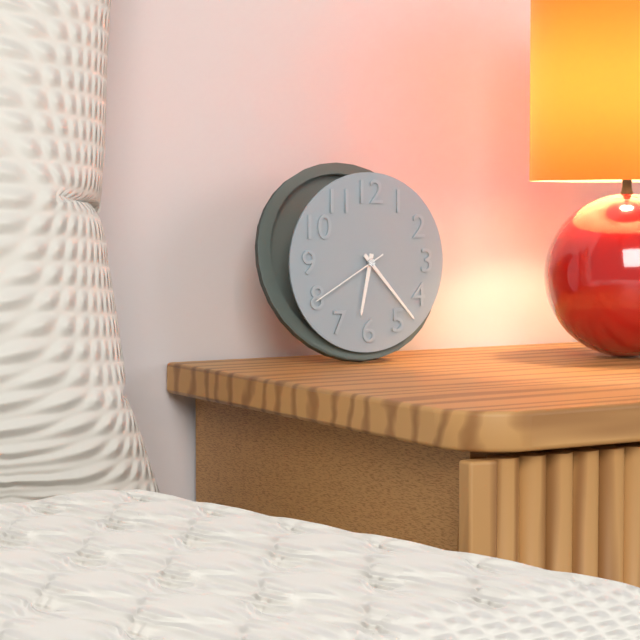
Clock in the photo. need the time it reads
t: 6:23:40
